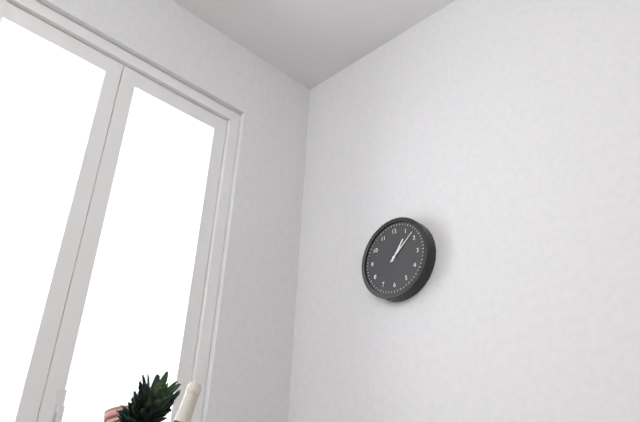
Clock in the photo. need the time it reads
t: 1:08
